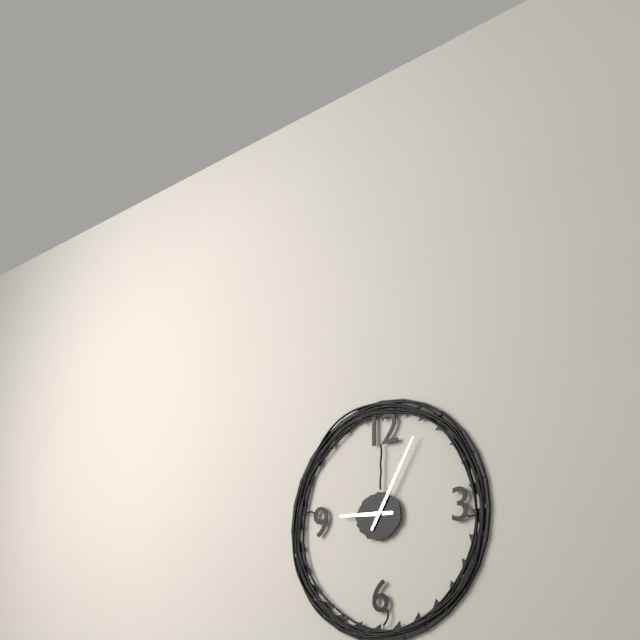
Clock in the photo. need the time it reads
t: 9:05
